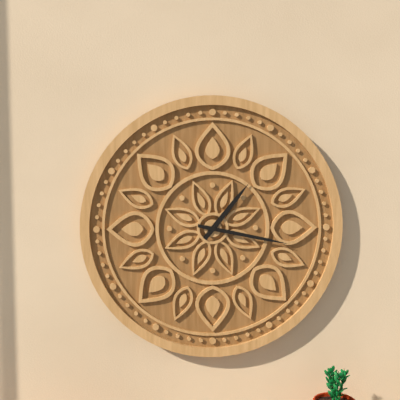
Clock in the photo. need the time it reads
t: 1:17
